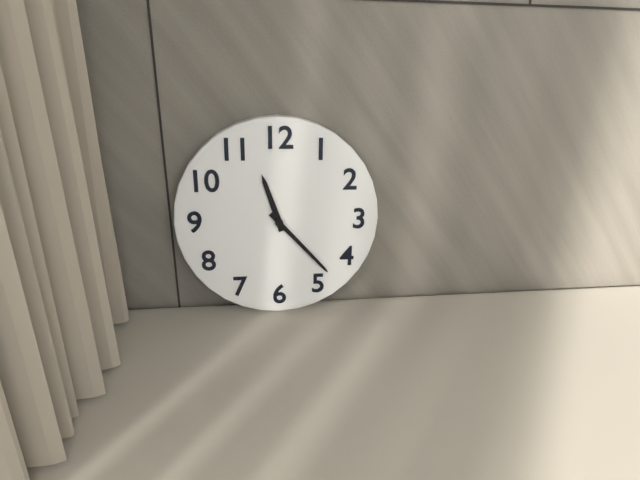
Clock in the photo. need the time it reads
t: 11:23
